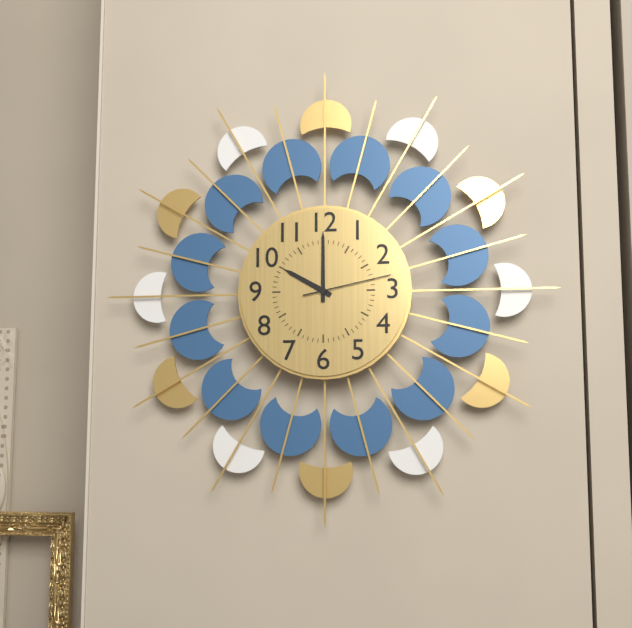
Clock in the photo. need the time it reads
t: 10:00:13
